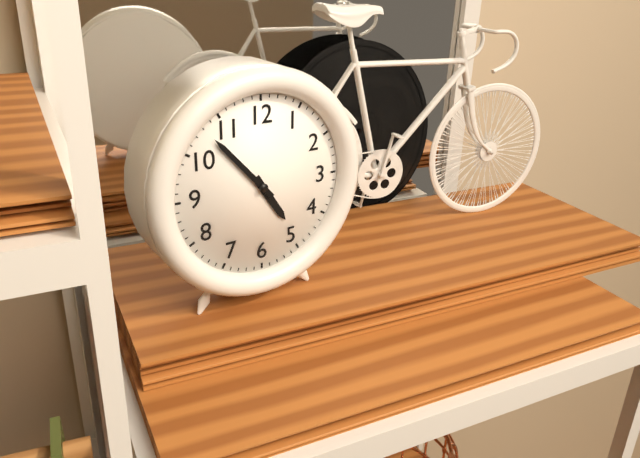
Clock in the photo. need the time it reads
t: 4:53
